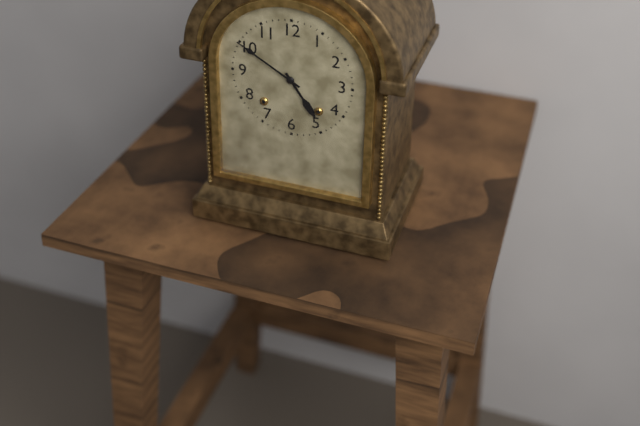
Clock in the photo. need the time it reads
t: 4:50
